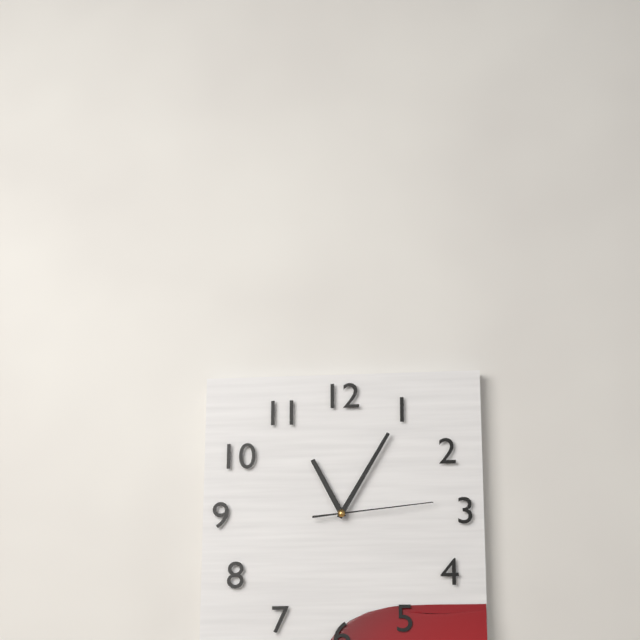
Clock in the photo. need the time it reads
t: 11:05:14
